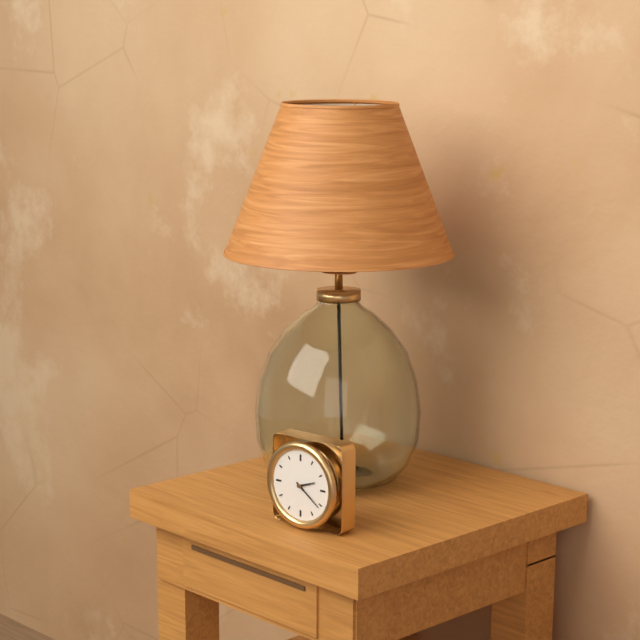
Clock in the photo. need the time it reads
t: 2:21
